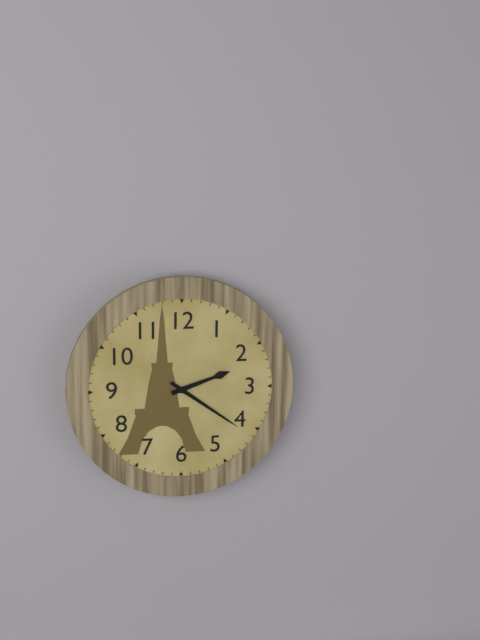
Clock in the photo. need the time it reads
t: 2:21
